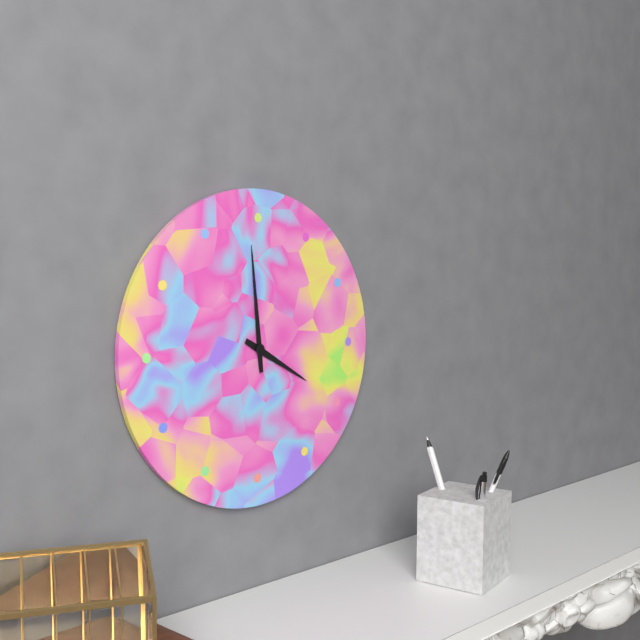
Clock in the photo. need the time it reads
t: 3:59
